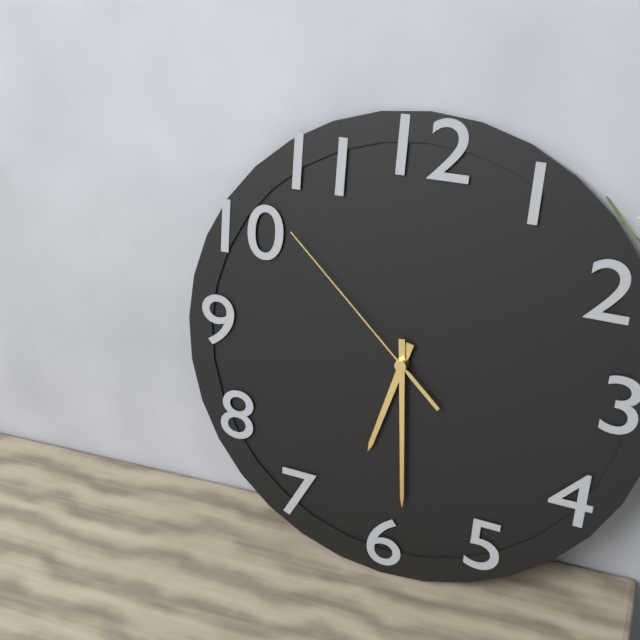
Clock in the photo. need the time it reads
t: 6:29:52
